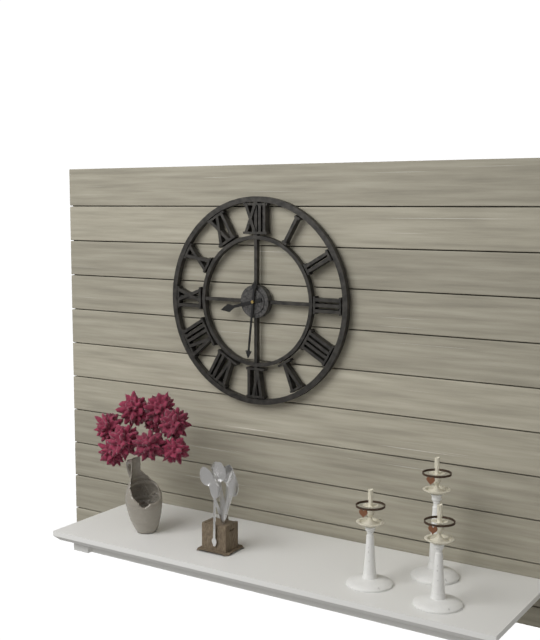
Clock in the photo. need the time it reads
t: 8:31
